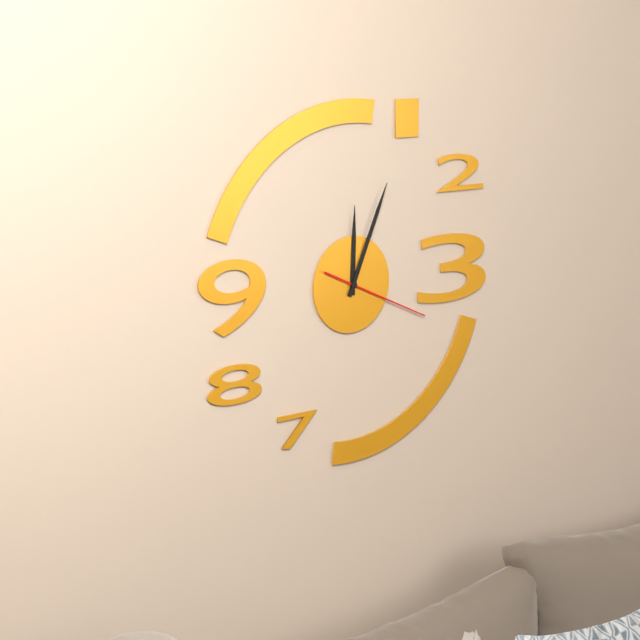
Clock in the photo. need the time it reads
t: 12:04:19
